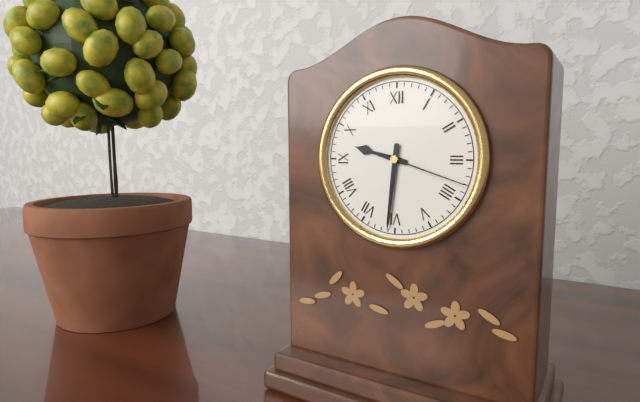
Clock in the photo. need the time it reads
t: 9:31:18
